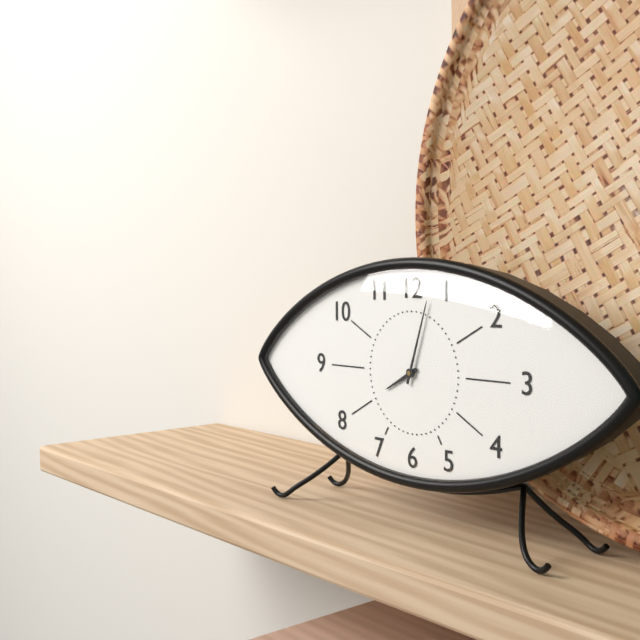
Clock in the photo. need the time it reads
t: 8:03
